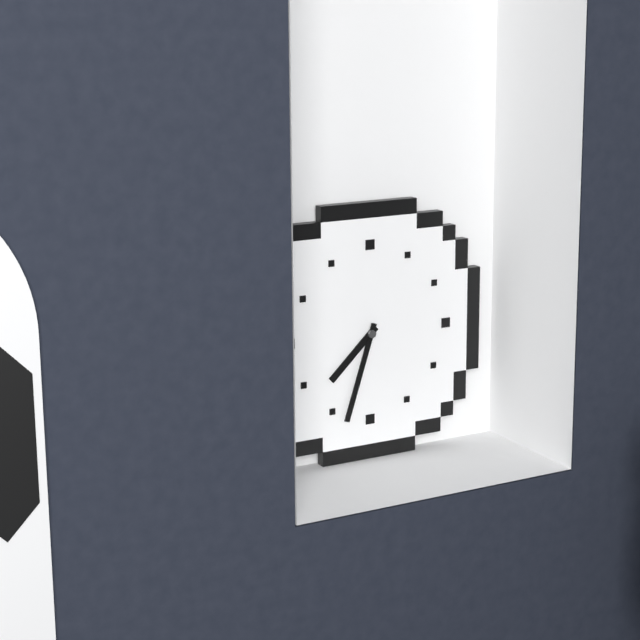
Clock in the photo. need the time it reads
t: 7:33
